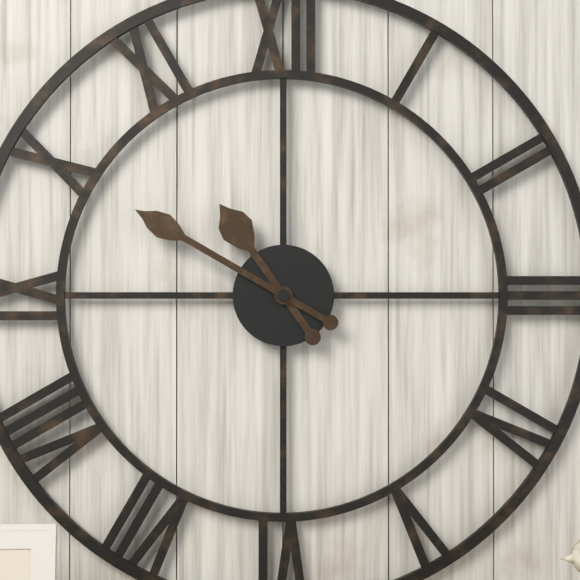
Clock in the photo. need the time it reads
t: 10:50
